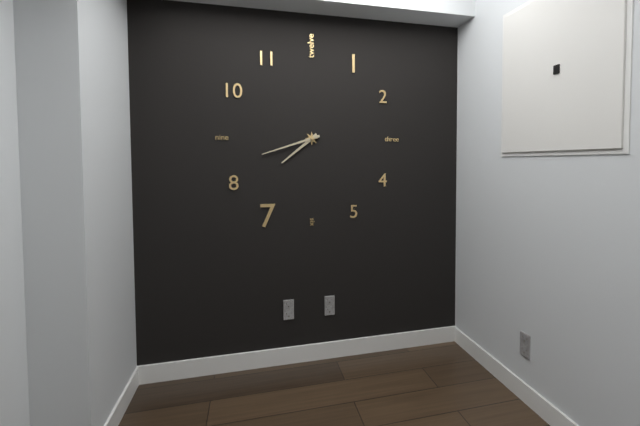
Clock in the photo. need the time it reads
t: 7:42
